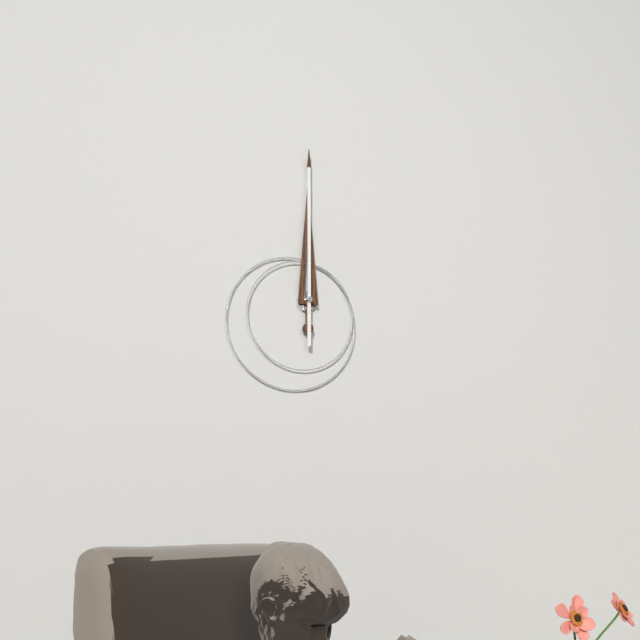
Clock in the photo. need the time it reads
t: 12:00
